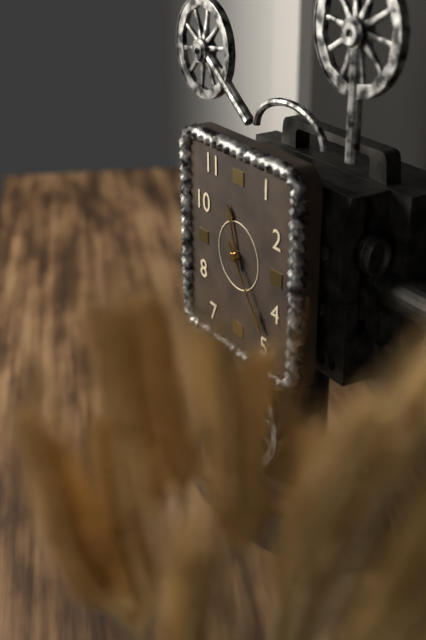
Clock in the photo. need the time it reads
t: 11:24
